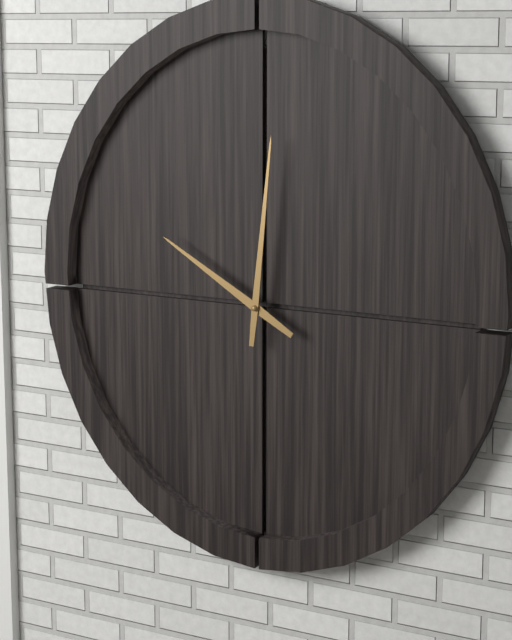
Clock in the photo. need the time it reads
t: 10:01
